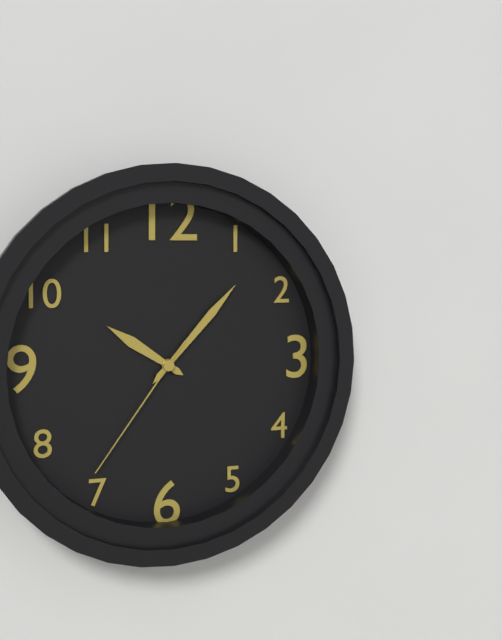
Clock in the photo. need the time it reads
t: 10:07:36
